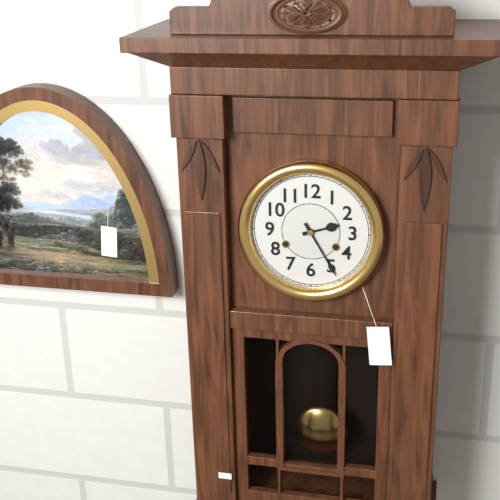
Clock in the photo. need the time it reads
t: 2:25
